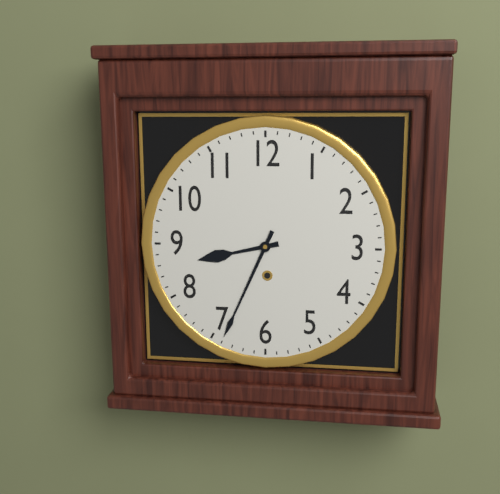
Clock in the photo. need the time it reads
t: 8:34
